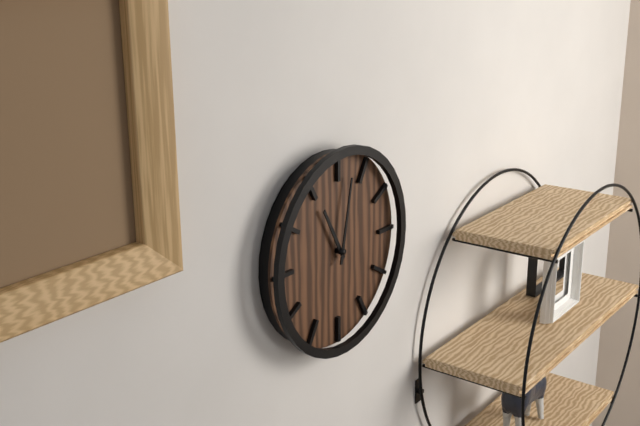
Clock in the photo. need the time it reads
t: 11:02
